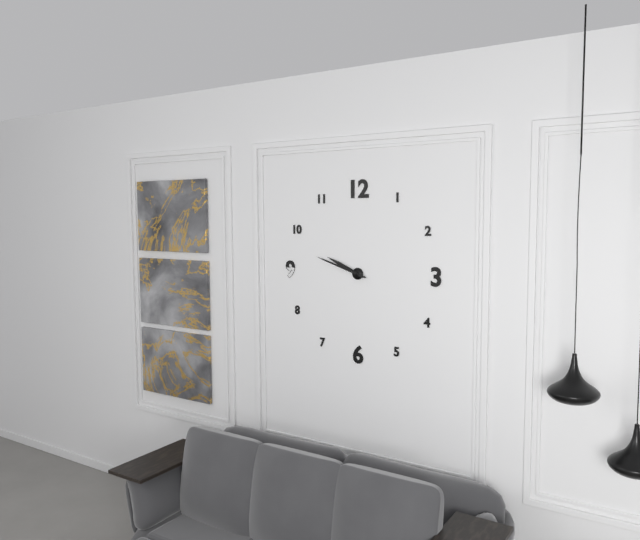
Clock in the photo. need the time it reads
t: 9:48
